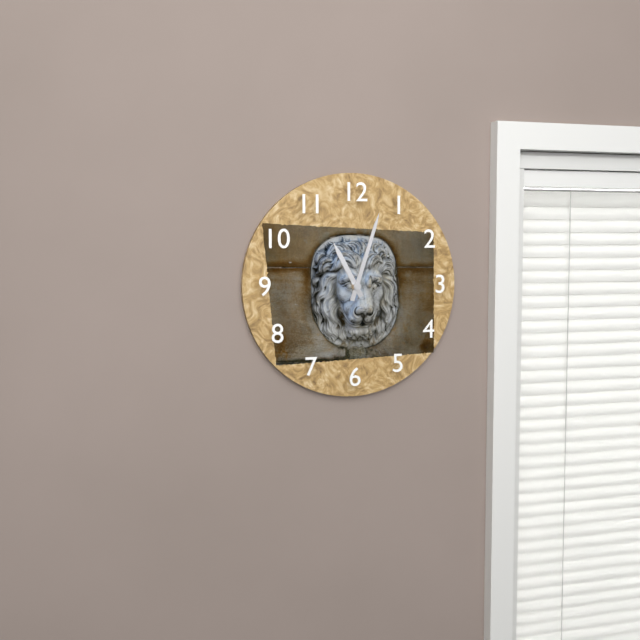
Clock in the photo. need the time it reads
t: 11:03
